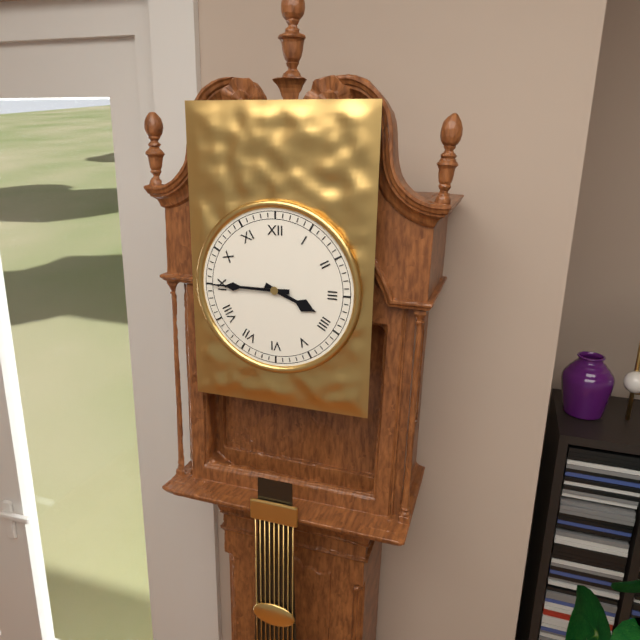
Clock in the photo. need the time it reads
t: 3:45
